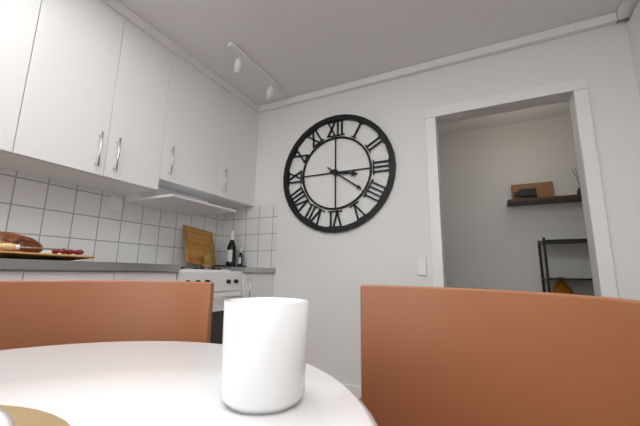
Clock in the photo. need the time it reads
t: 3:21
